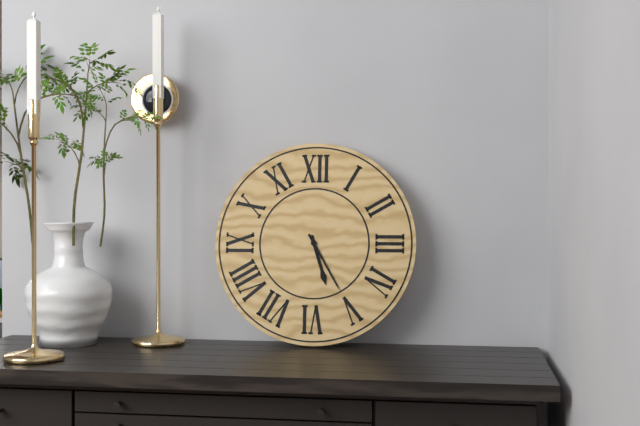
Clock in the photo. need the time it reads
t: 5:25
